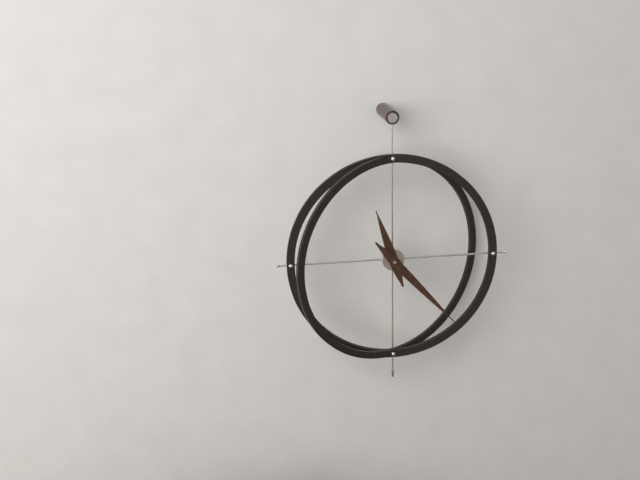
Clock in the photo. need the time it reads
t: 11:23
